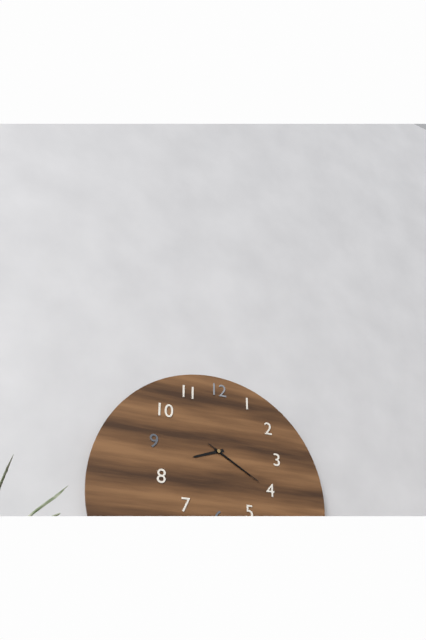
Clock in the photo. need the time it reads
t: 8:20:20
